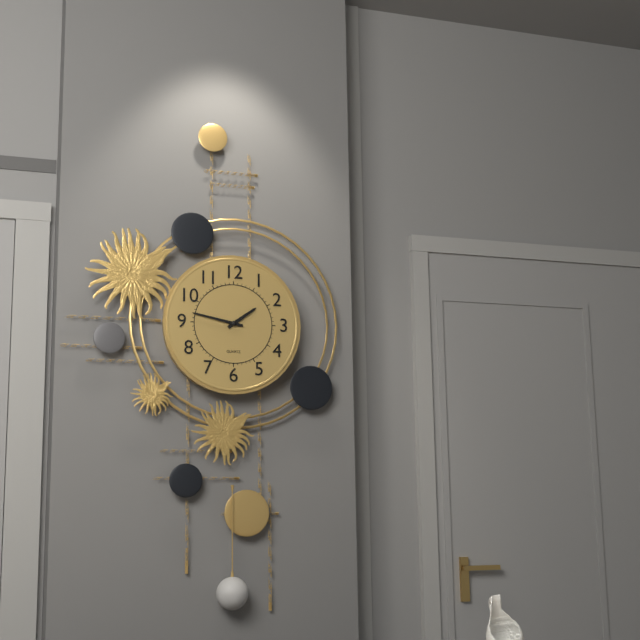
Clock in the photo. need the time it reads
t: 1:47
